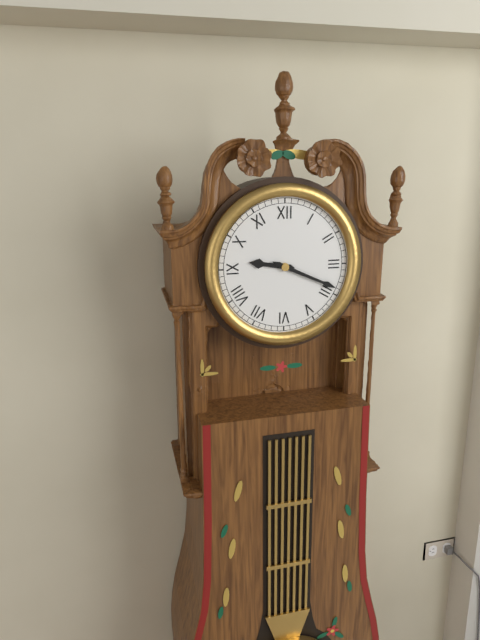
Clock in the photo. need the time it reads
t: 9:19
